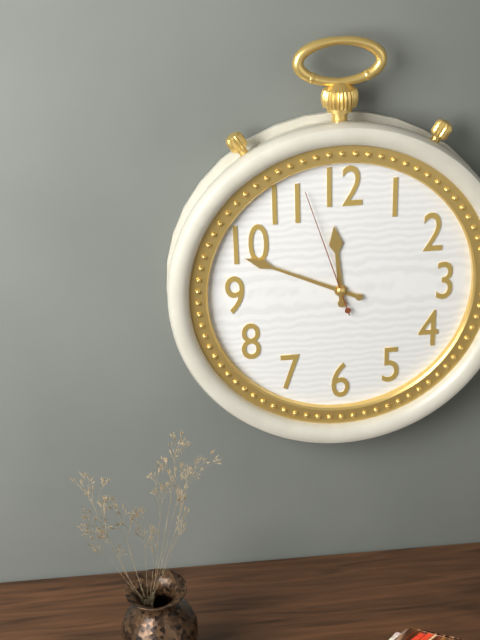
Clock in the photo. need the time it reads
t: 11:49:57
